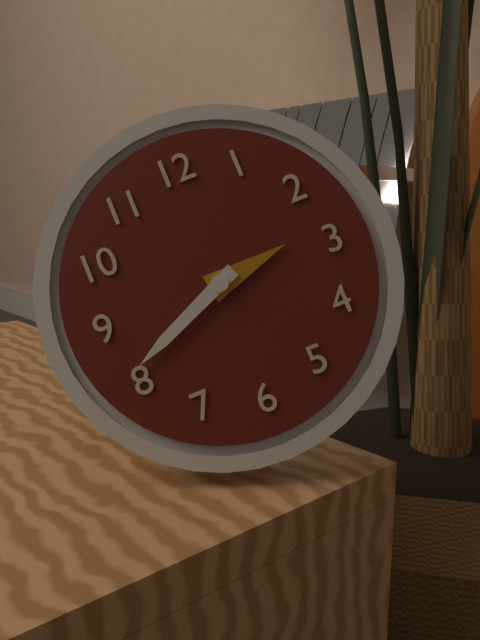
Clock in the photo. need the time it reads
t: 2:41
